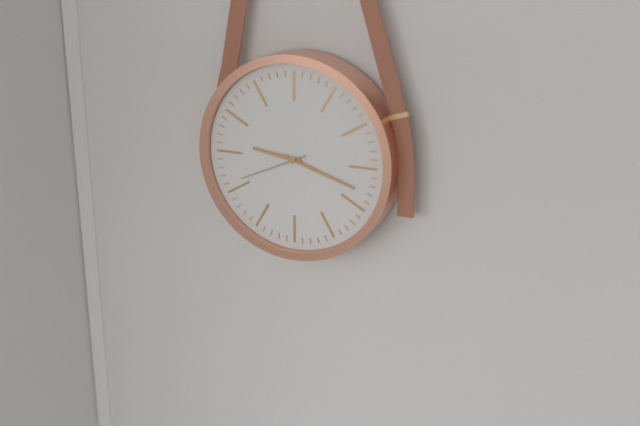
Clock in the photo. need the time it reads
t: 9:18:41
